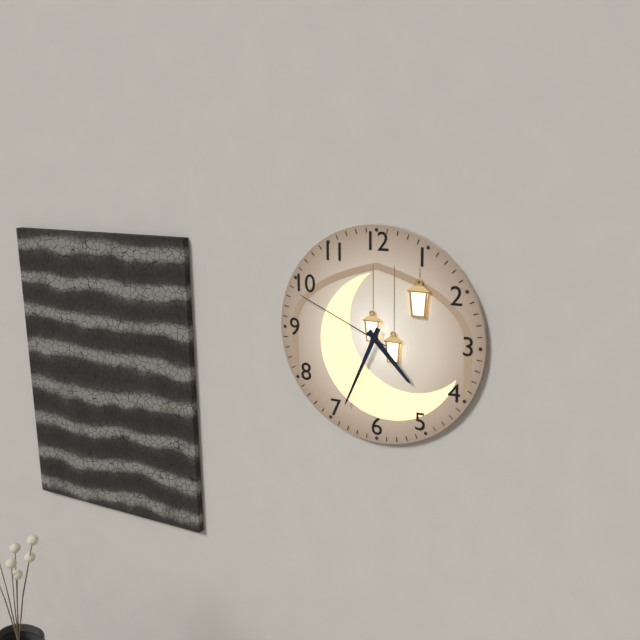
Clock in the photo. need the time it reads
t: 4:34:49
